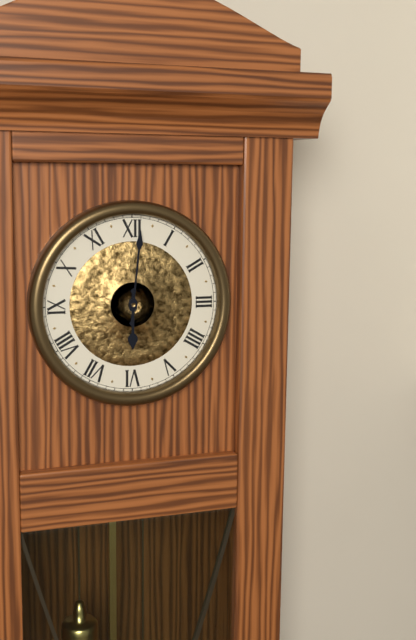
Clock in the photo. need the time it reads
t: 6:01
